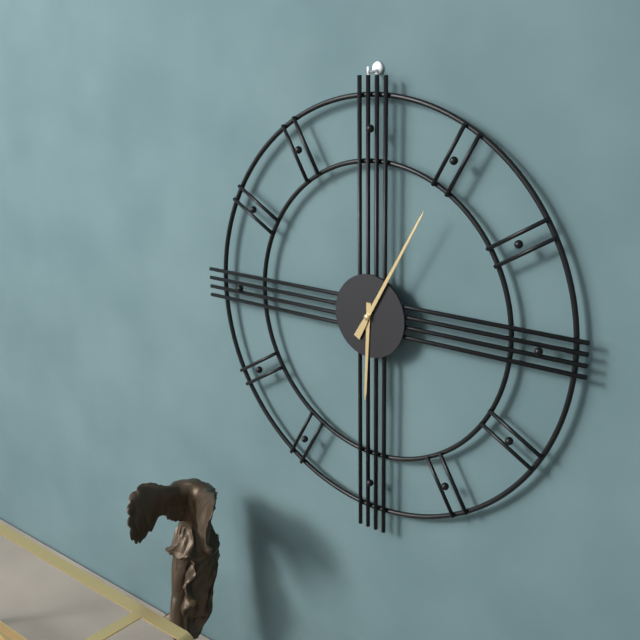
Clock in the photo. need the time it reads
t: 6:05
